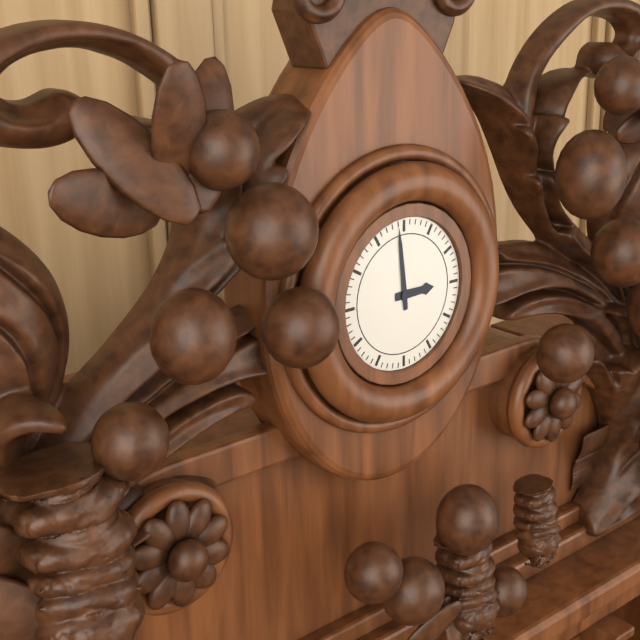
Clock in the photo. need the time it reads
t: 2:59
